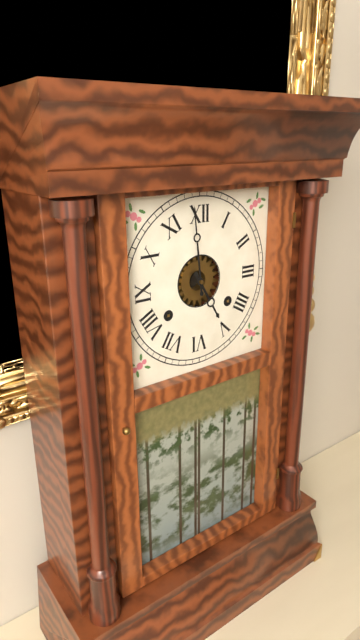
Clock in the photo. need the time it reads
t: 4:59
